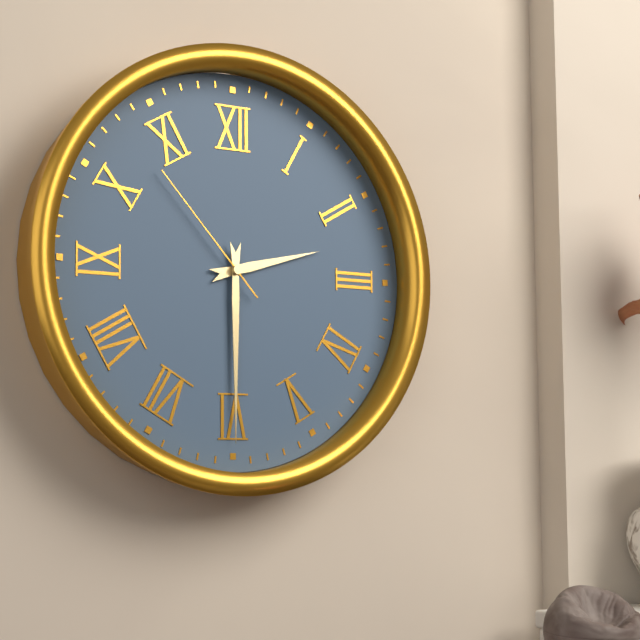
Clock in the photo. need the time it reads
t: 2:30:53
